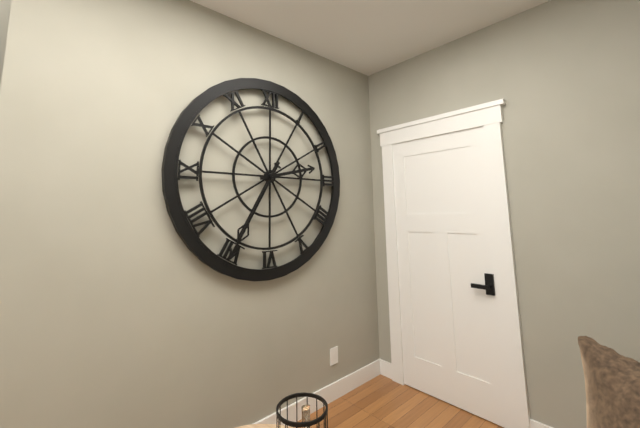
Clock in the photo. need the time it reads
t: 2:35
